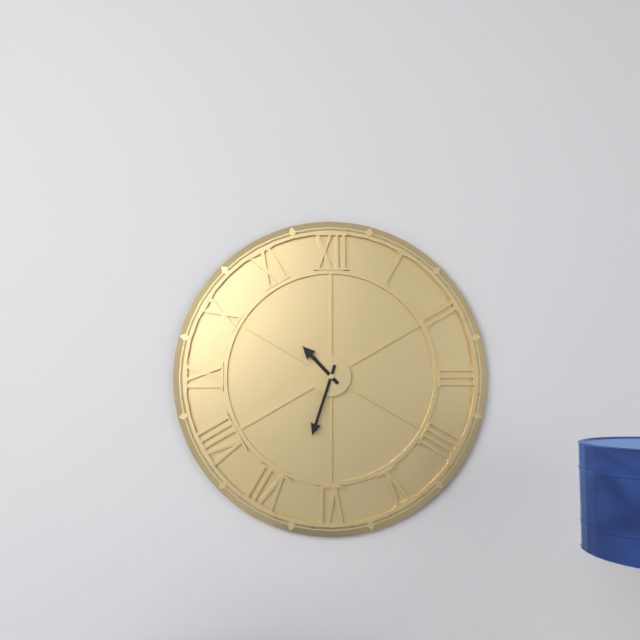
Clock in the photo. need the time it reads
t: 10:33
